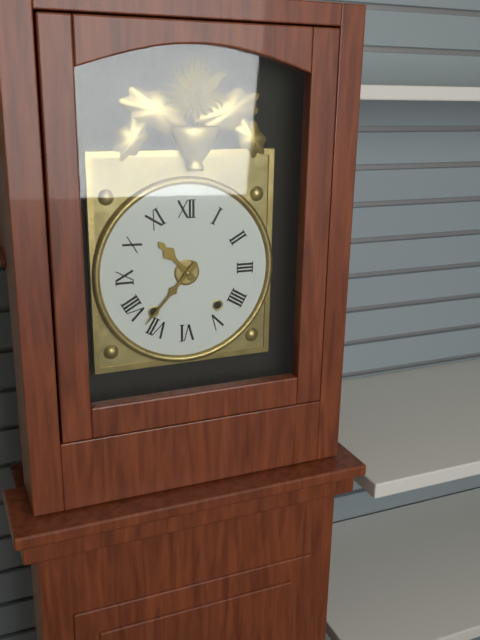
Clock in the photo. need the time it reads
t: 10:37
